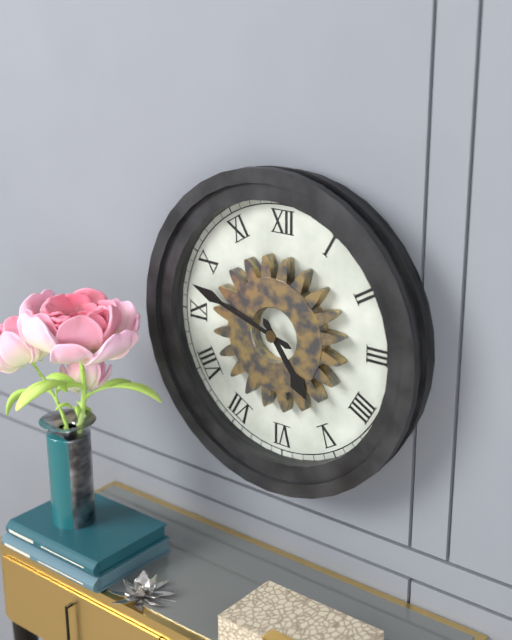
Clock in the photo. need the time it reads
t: 4:48
